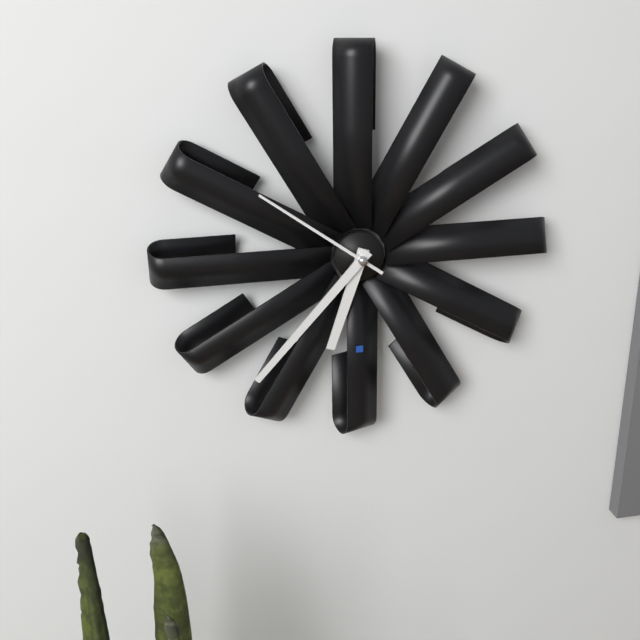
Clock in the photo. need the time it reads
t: 6:37:51
